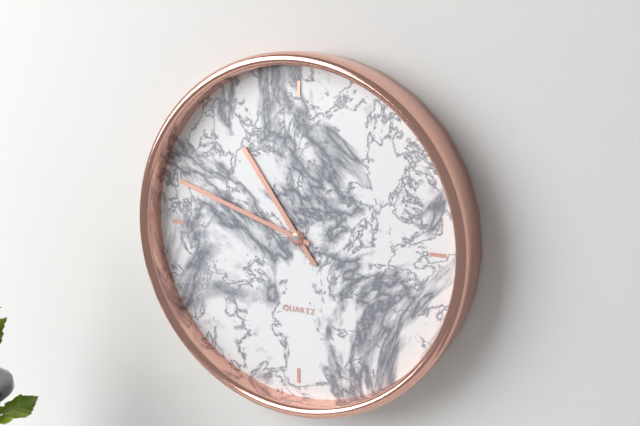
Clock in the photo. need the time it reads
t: 10:48
